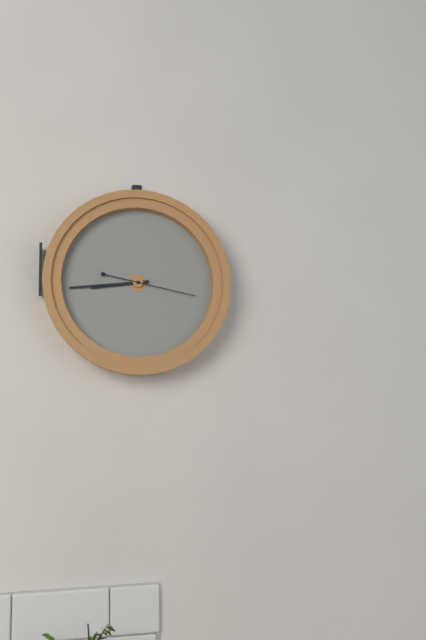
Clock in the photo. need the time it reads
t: 8:44:17
